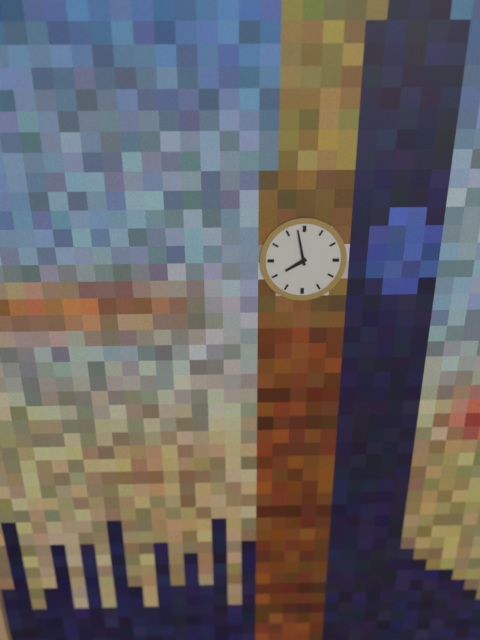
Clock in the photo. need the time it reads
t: 7:58
